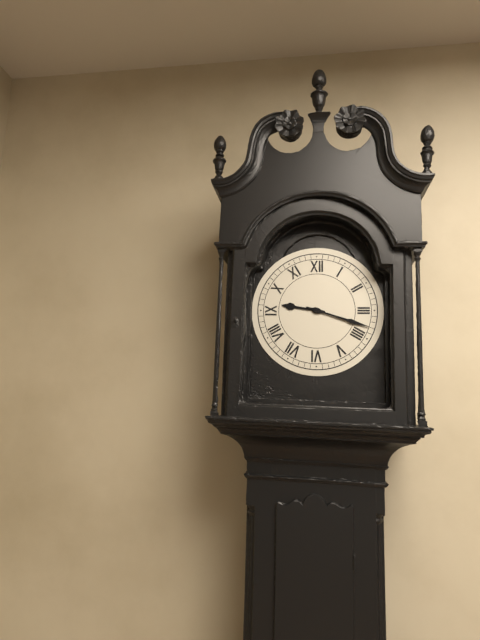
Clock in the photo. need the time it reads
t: 9:18
